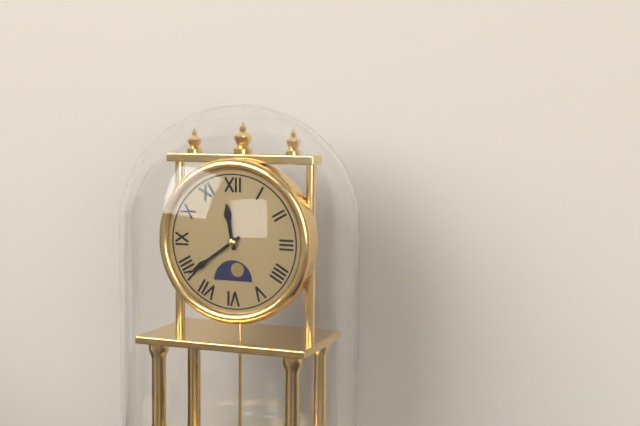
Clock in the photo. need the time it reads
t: 11:39
